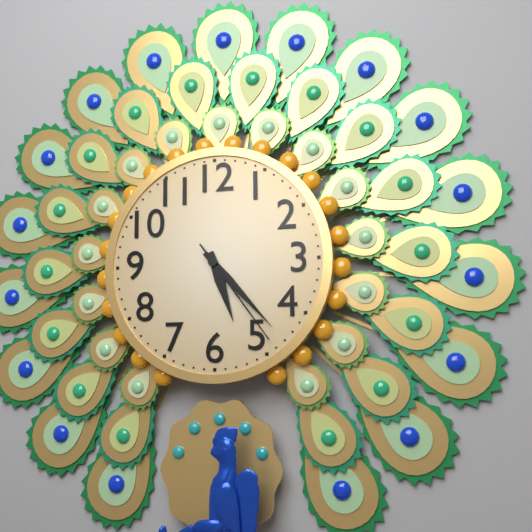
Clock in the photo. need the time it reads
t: 5:23:24
